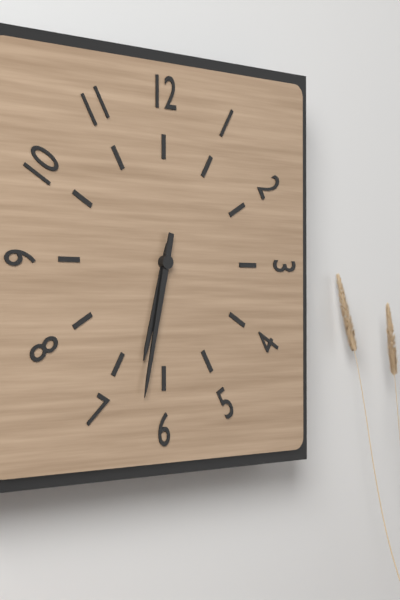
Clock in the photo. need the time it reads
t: 6:32
